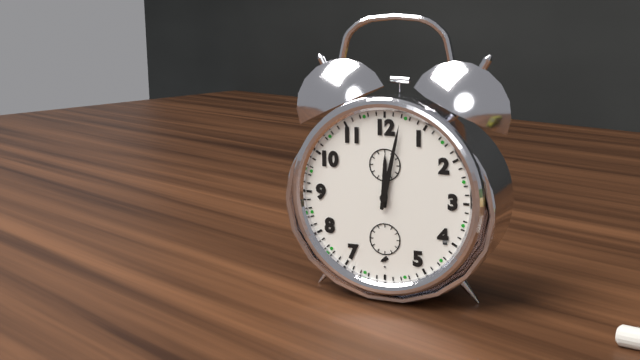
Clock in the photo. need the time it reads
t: 12:02
